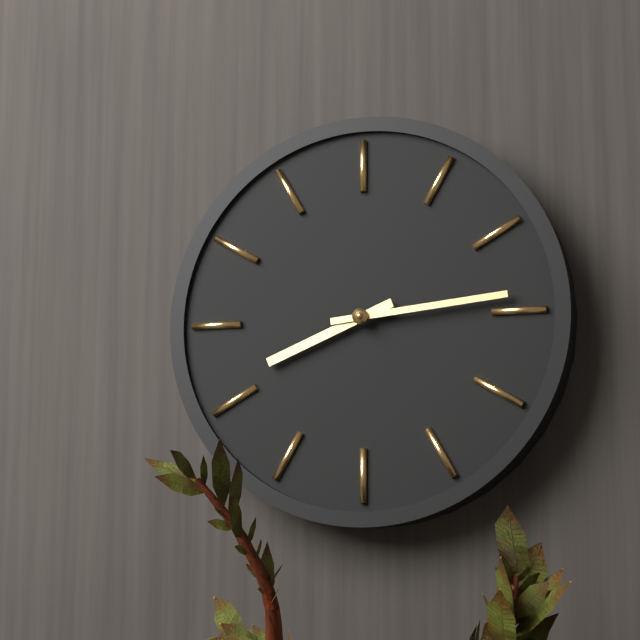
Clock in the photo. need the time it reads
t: 8:14
